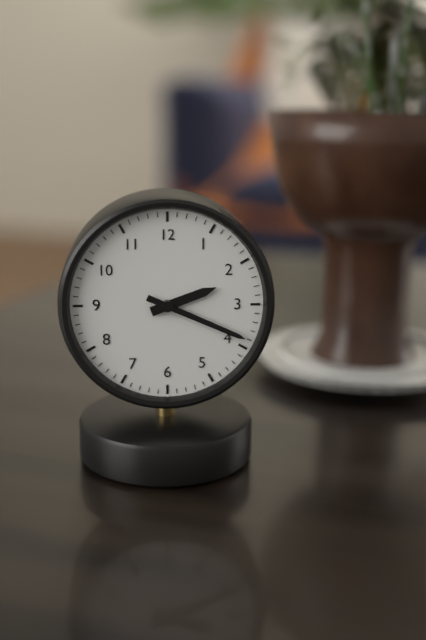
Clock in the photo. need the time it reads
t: 2:19
